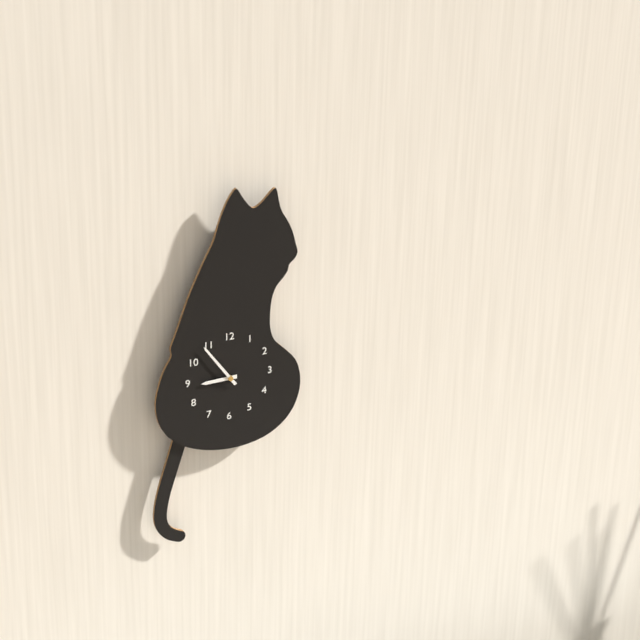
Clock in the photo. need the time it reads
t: 8:54
